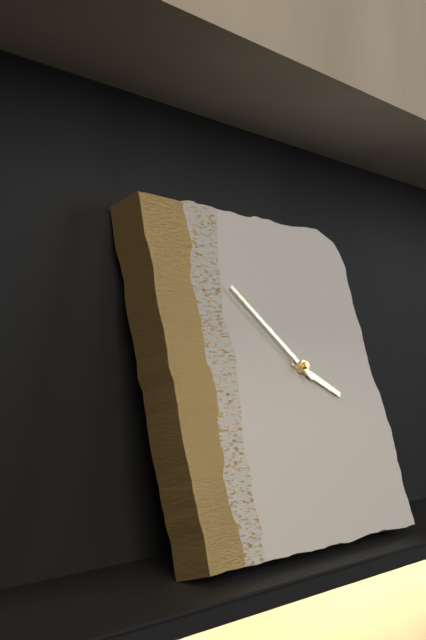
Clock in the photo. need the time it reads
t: 3:52
